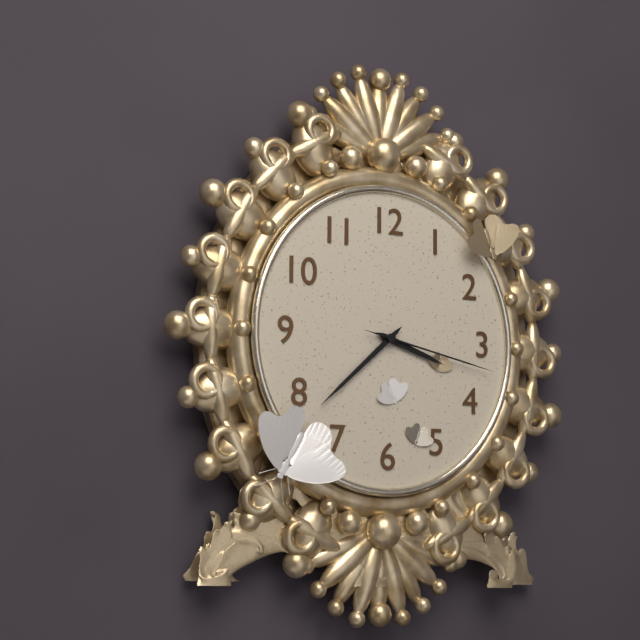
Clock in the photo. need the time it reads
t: 3:38:17
